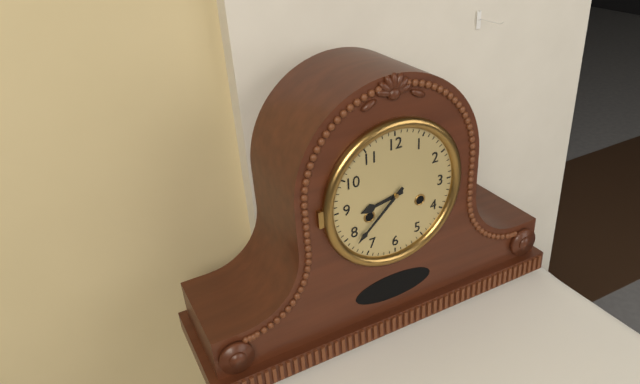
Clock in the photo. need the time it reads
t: 8:38
